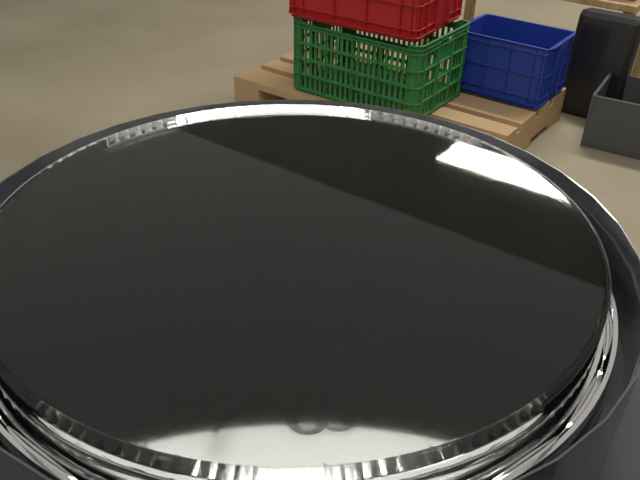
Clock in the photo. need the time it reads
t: 6:18
